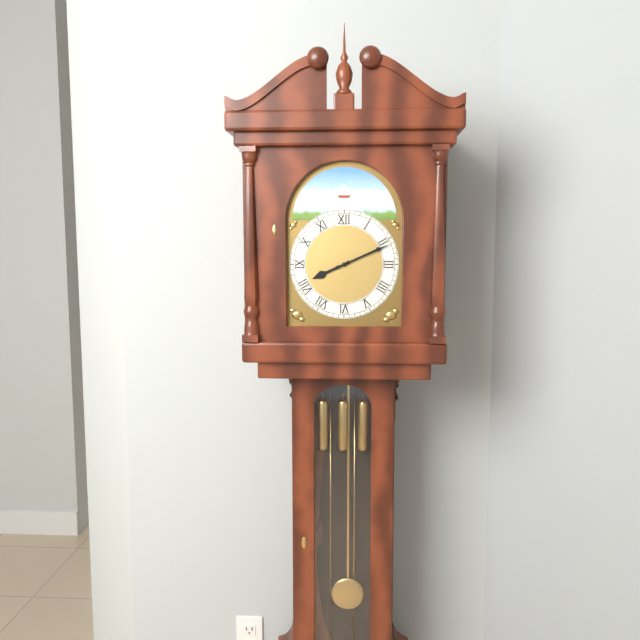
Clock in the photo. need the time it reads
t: 8:11
